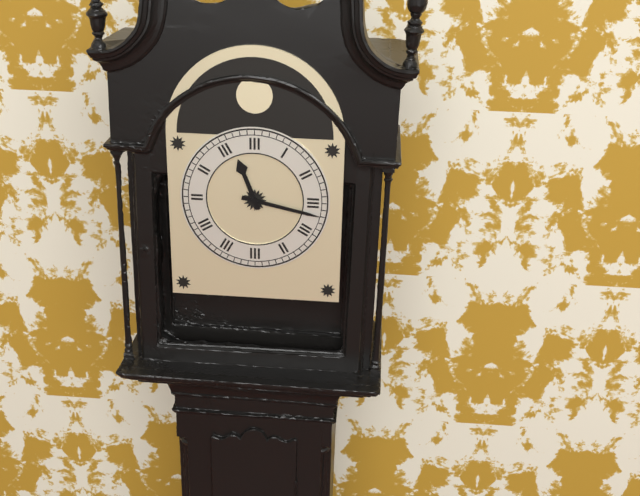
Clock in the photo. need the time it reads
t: 11:17
